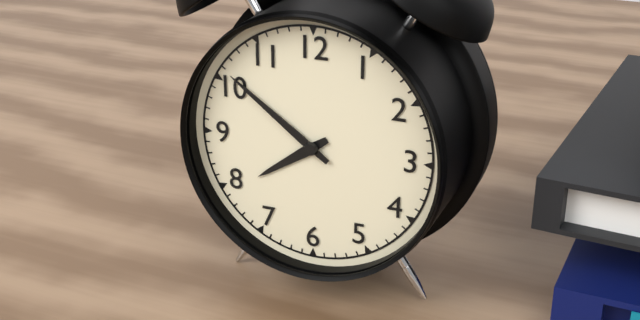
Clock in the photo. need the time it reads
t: 7:51
